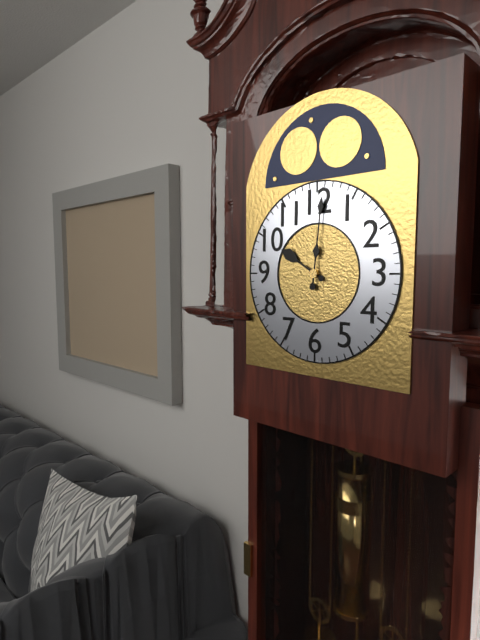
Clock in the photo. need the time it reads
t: 10:01
